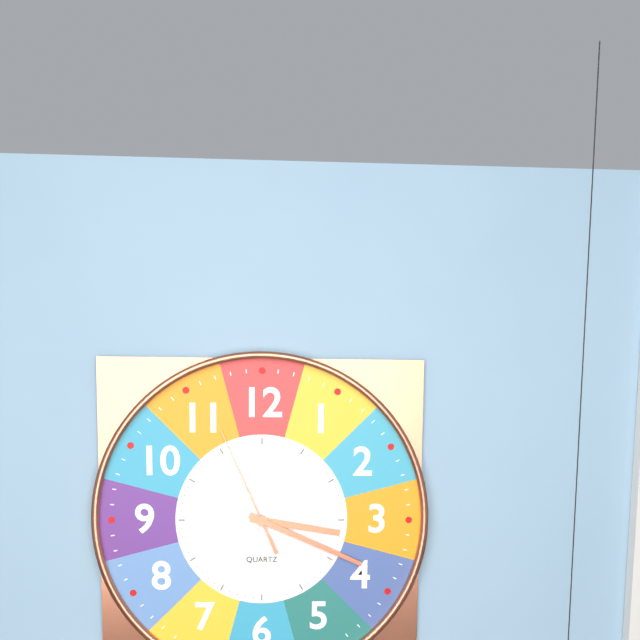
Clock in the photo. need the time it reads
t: 3:19:56
